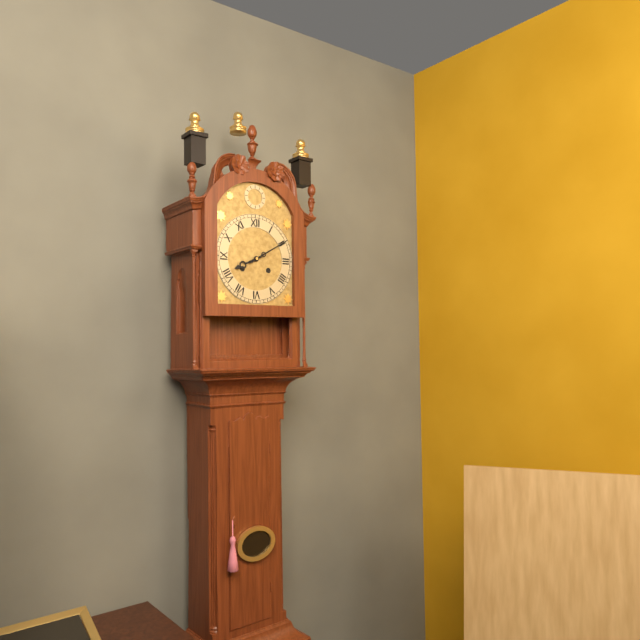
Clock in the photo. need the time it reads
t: 8:10
